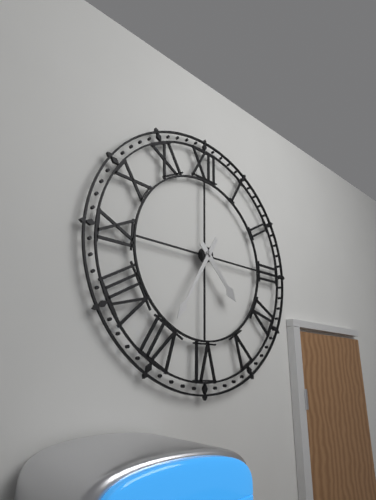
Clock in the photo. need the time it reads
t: 4:35
